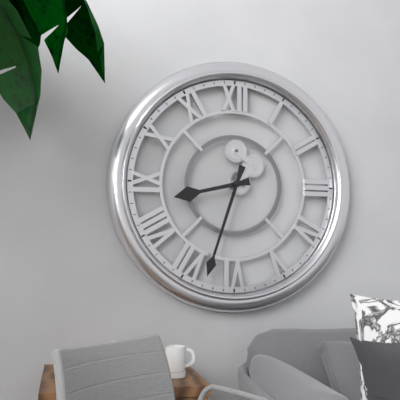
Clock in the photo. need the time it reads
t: 8:33
